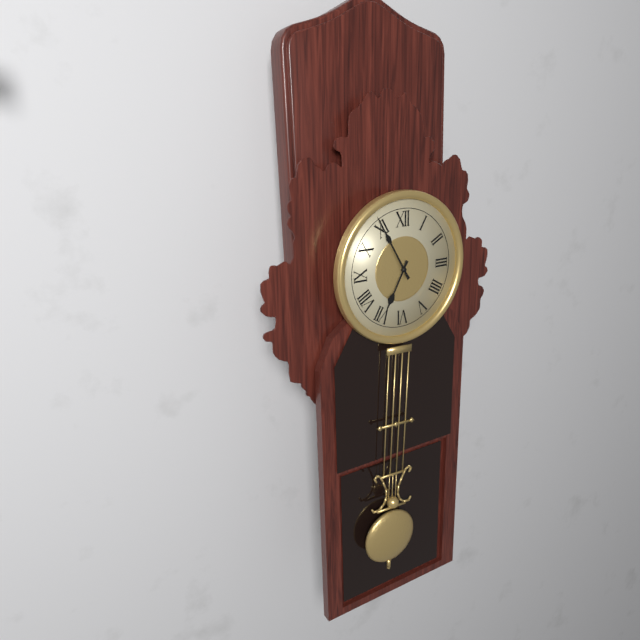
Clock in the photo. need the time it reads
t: 6:55
